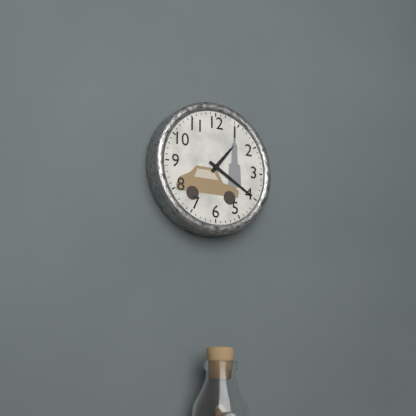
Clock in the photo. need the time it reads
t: 1:20
